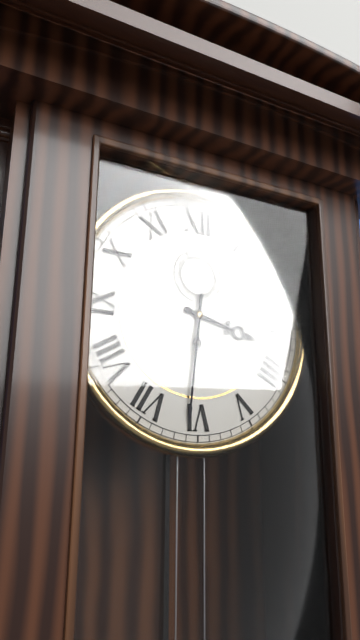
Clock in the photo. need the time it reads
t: 3:31
